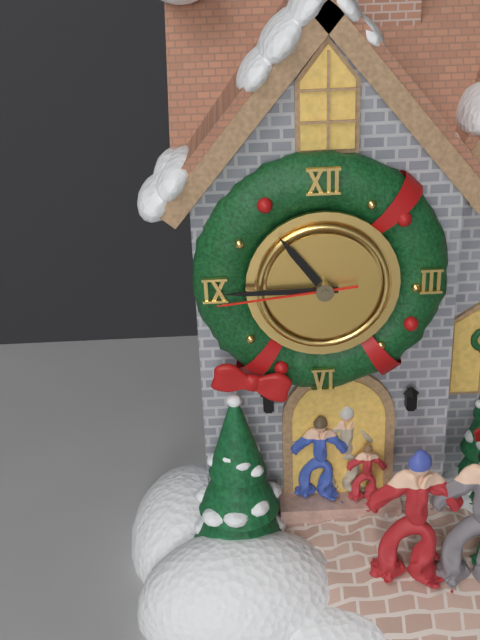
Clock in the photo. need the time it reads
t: 10:45:44
